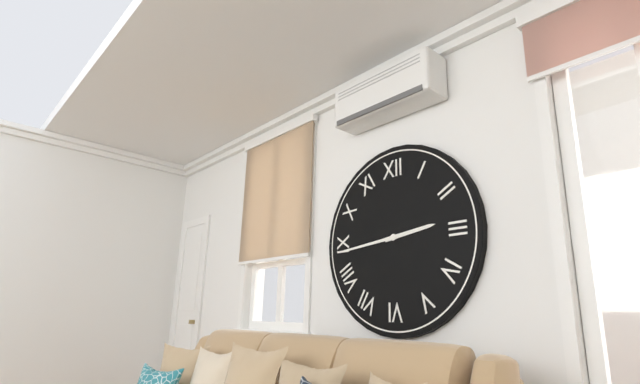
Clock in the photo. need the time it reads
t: 2:44
